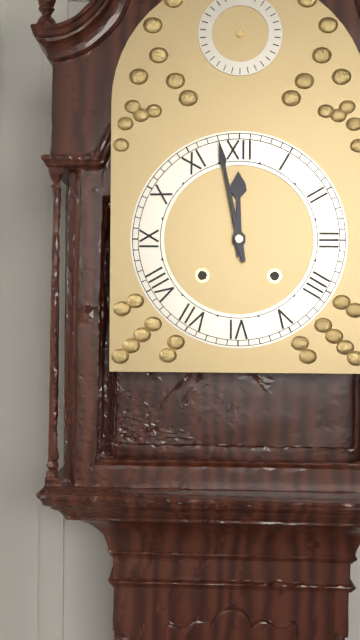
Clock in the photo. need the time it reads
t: 11:58
